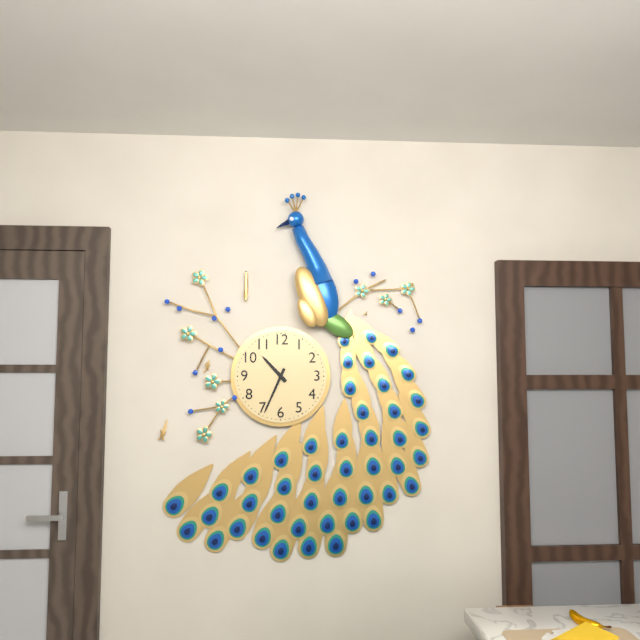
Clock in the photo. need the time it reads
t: 10:34
